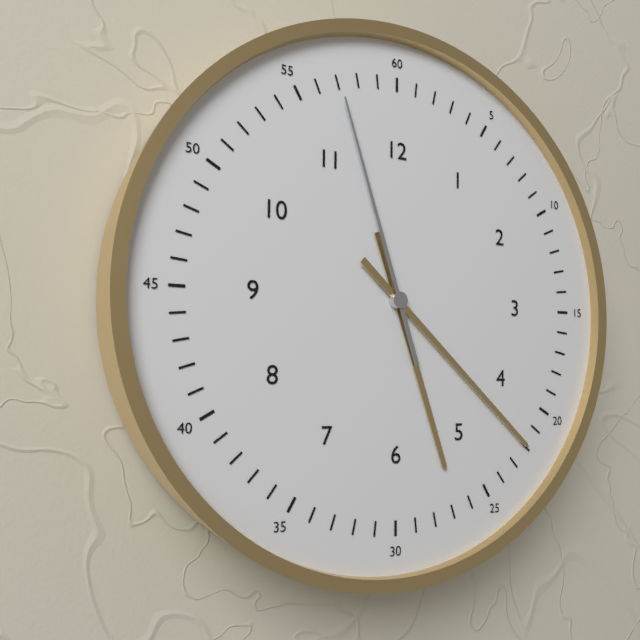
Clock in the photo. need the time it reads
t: 5:22:57
